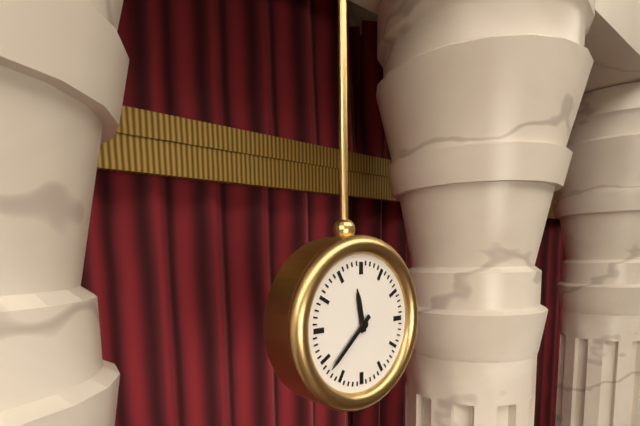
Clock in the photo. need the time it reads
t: 11:38
